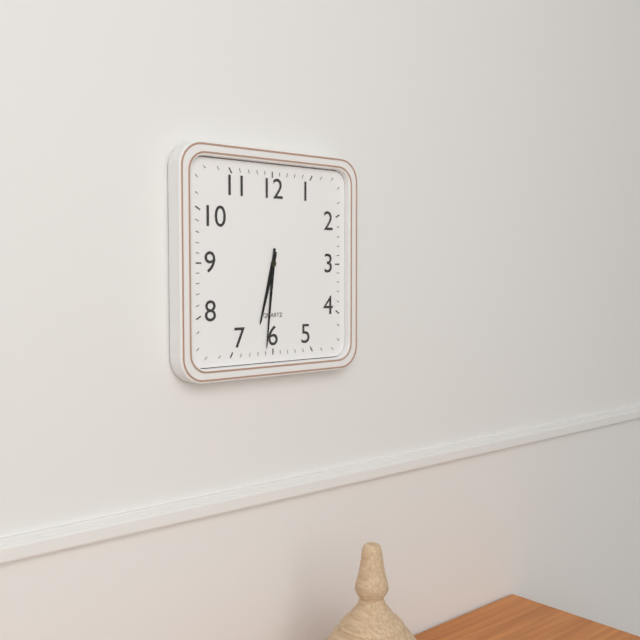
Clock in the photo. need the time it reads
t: 6:31
